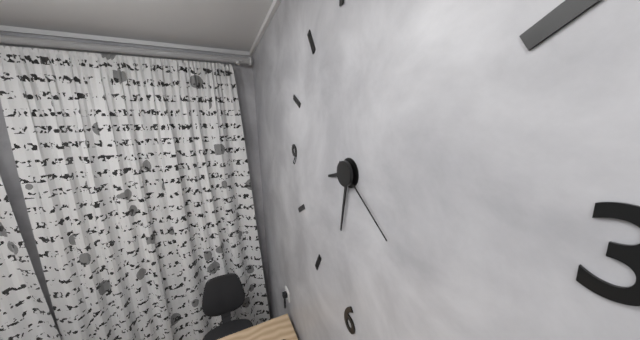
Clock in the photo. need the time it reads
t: 8:32:21
